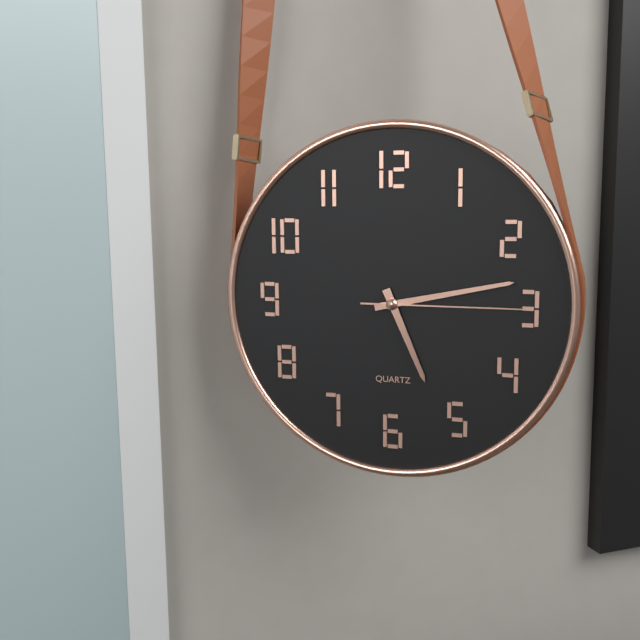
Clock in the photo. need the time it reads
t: 5:13:15
